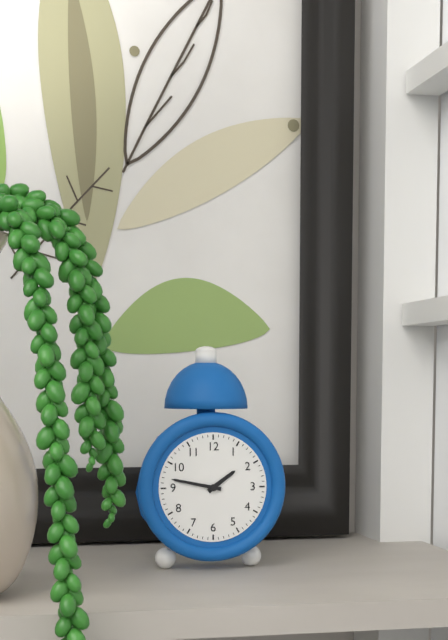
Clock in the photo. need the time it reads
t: 1:47
